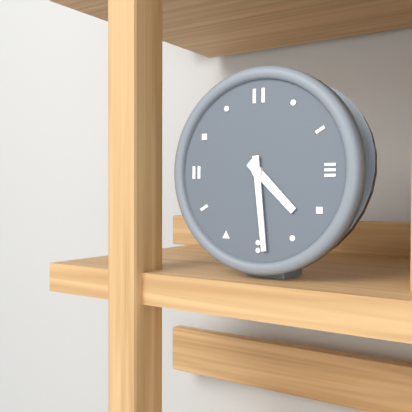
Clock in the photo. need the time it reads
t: 4:29
